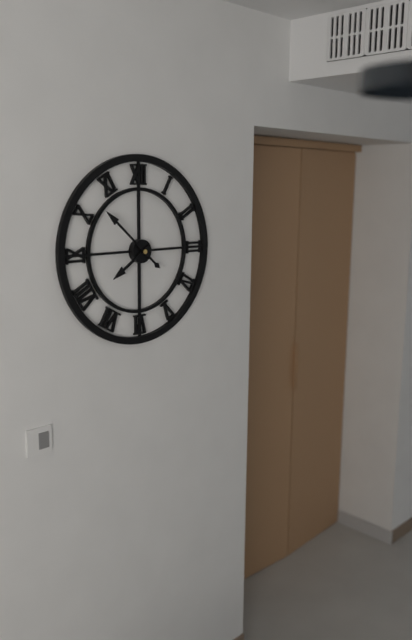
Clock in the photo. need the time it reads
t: 7:52
